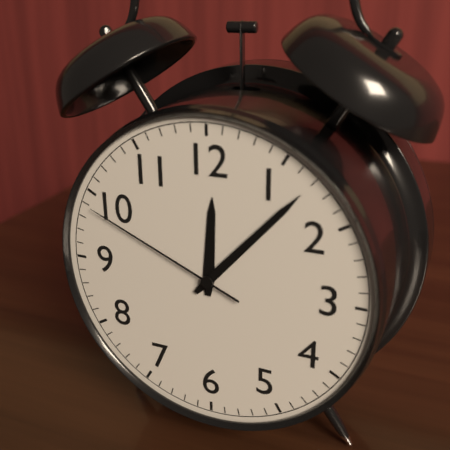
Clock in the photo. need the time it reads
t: 12:07:49
